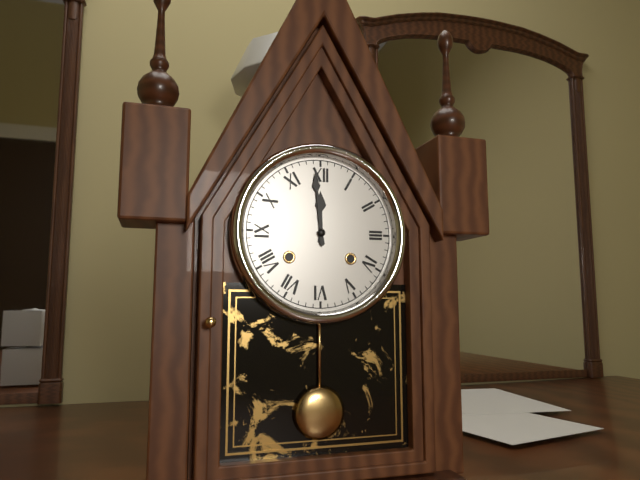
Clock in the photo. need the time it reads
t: 11:59
